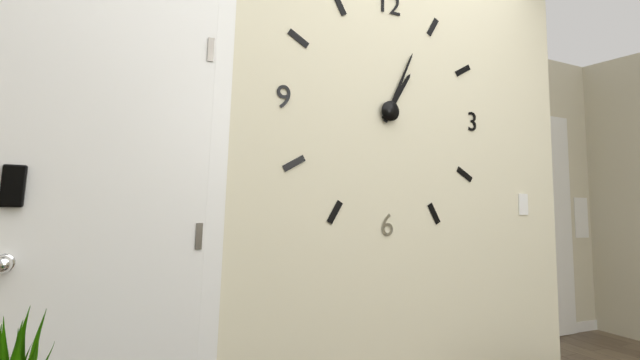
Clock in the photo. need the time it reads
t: 1:04
